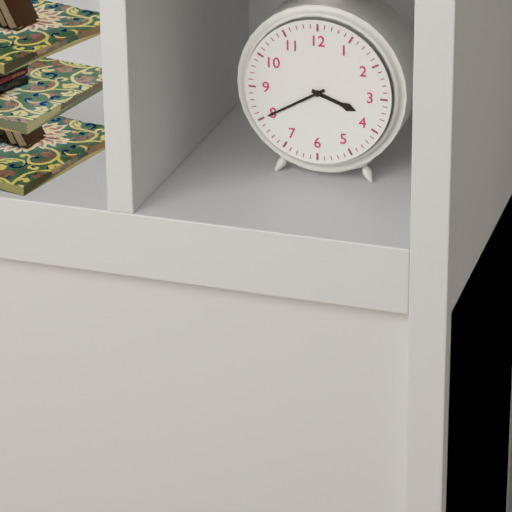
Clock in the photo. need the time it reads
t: 3:40
